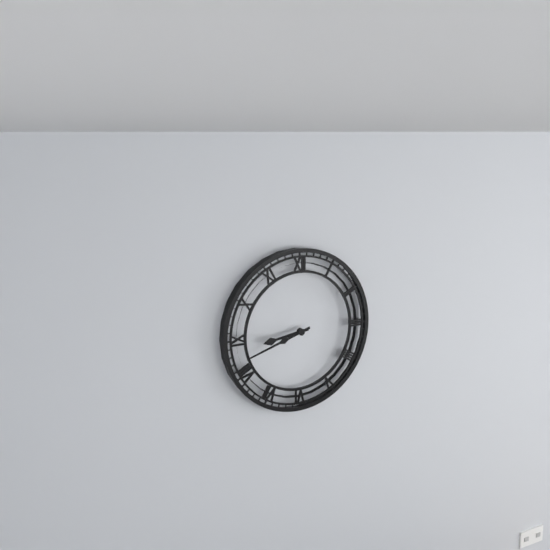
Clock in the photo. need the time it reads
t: 8:42
